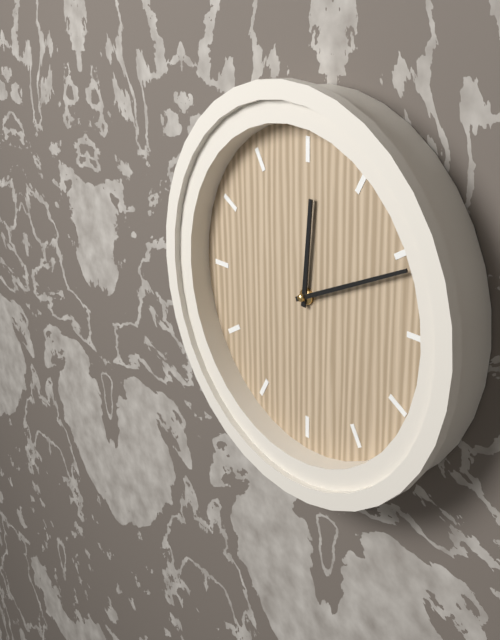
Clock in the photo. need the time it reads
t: 12:11
